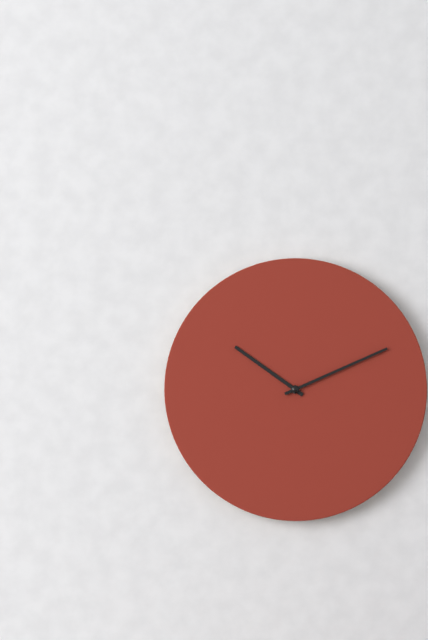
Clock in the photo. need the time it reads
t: 10:11
